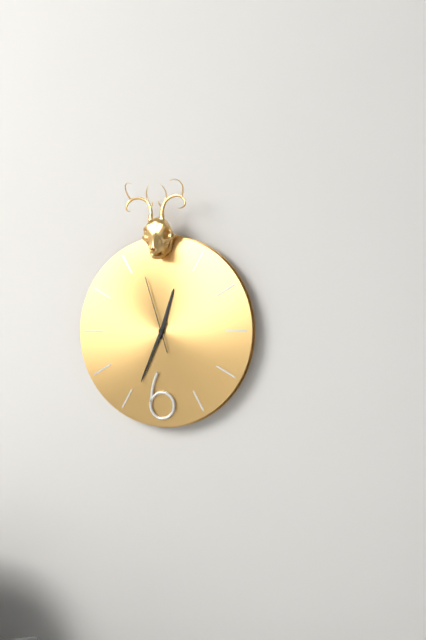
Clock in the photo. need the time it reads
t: 12:34:57
